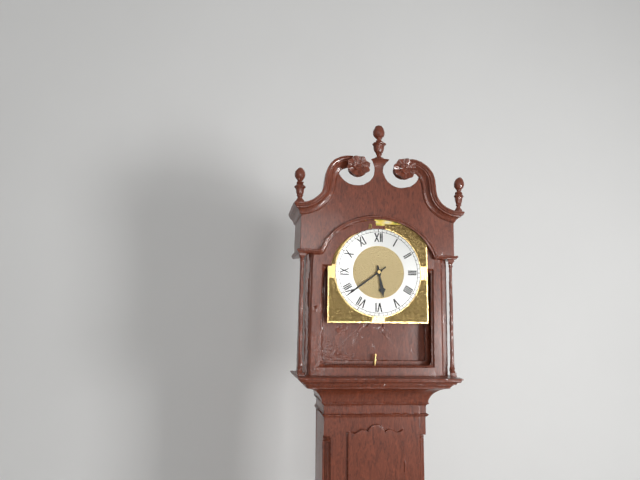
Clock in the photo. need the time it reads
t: 5:39
